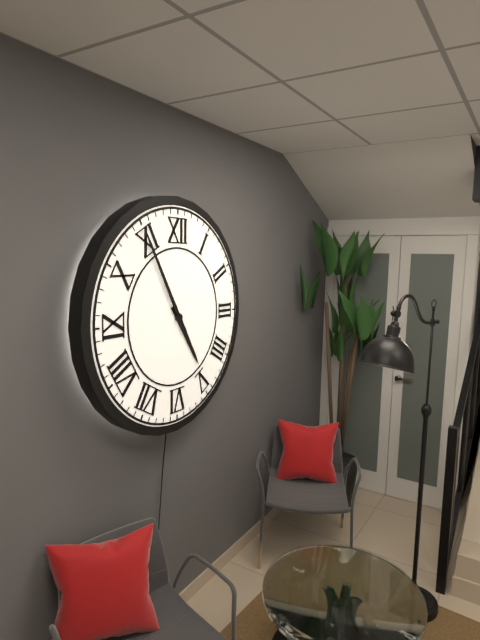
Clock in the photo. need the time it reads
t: 4:55
